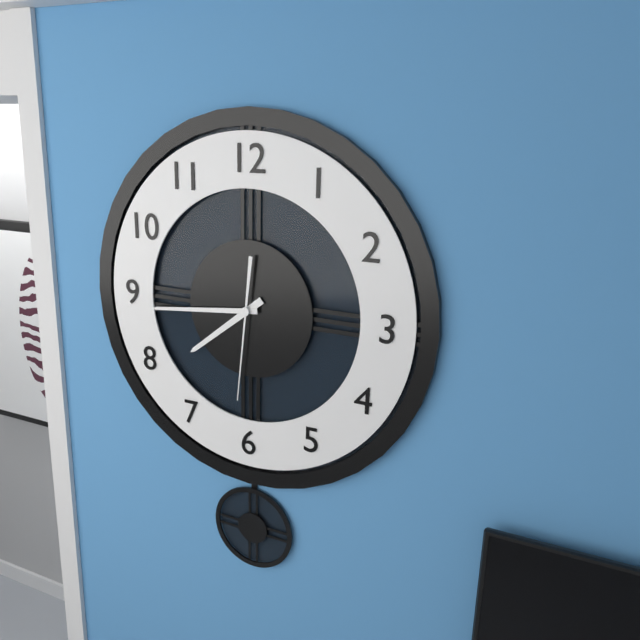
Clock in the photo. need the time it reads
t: 7:44:31
